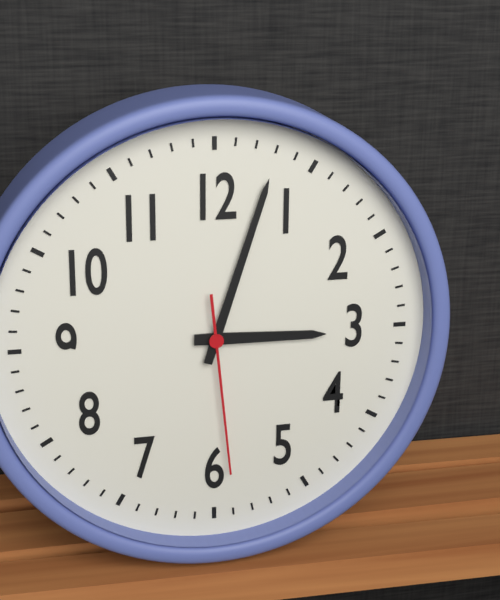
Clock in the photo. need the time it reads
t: 3:03:29
